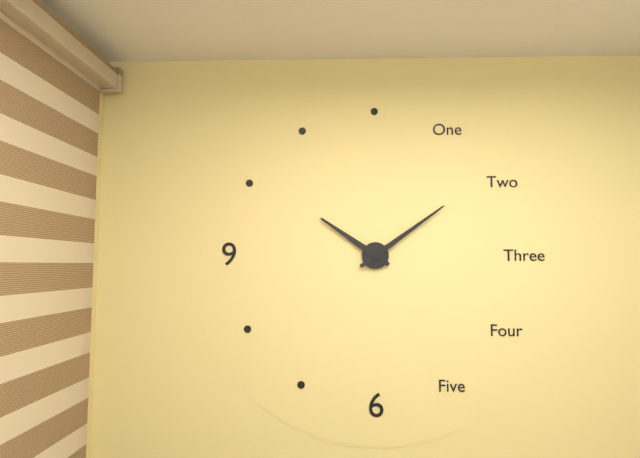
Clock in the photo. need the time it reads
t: 10:09
